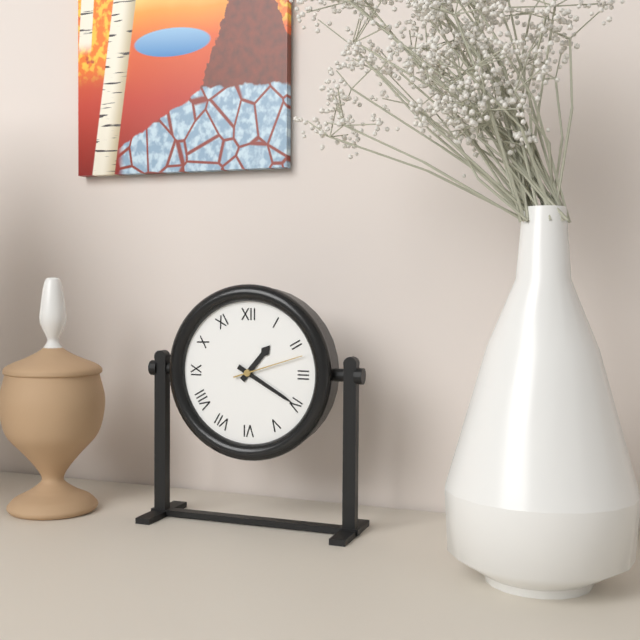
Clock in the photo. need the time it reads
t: 1:20:12
